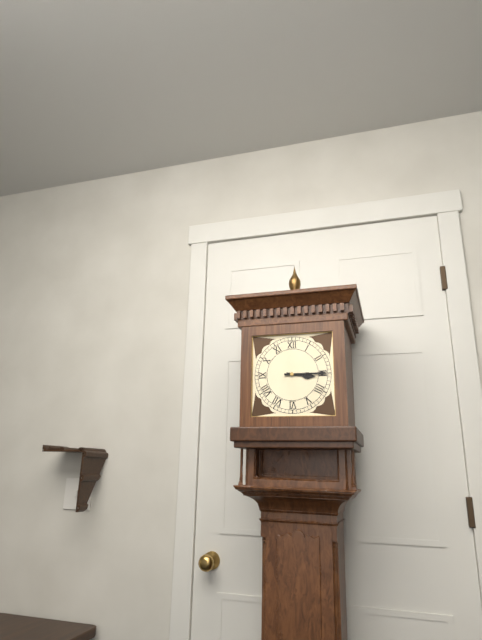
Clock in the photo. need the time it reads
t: 3:15
